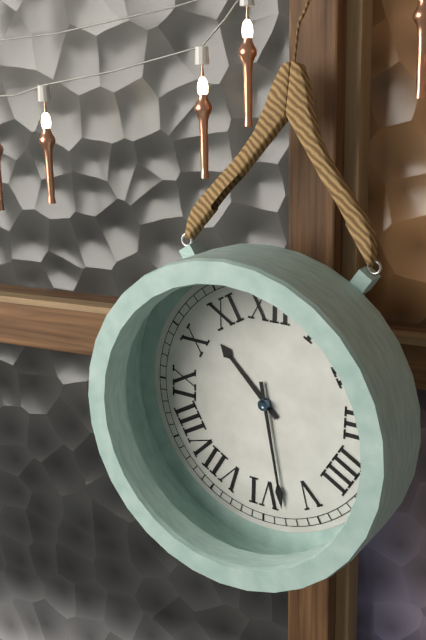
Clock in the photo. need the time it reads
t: 10:28
